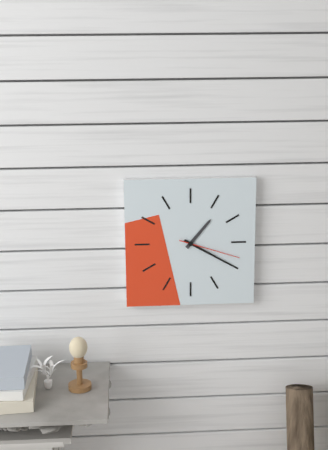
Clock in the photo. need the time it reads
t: 1:20:18
